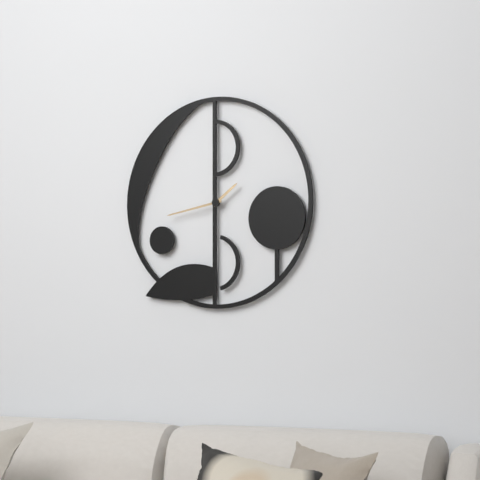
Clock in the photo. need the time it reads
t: 1:43
